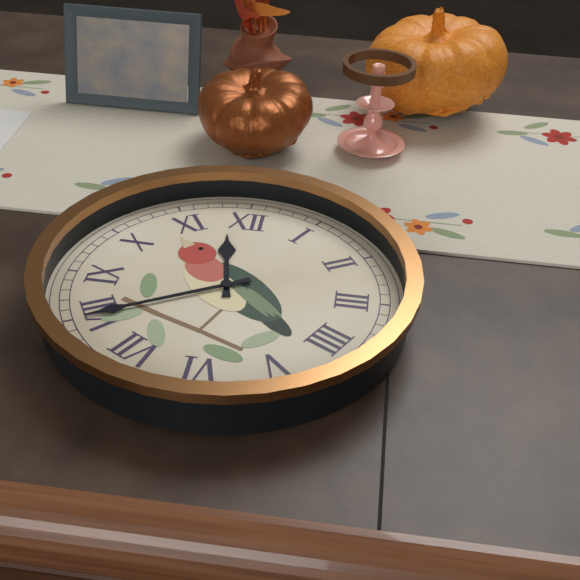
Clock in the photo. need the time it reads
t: 11:40
